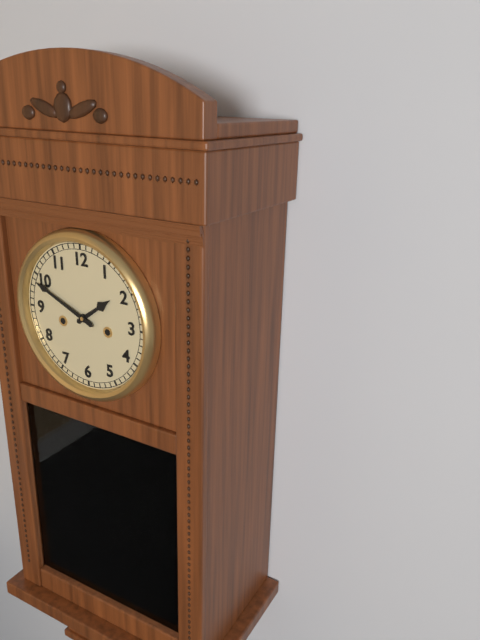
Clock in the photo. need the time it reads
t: 1:49
